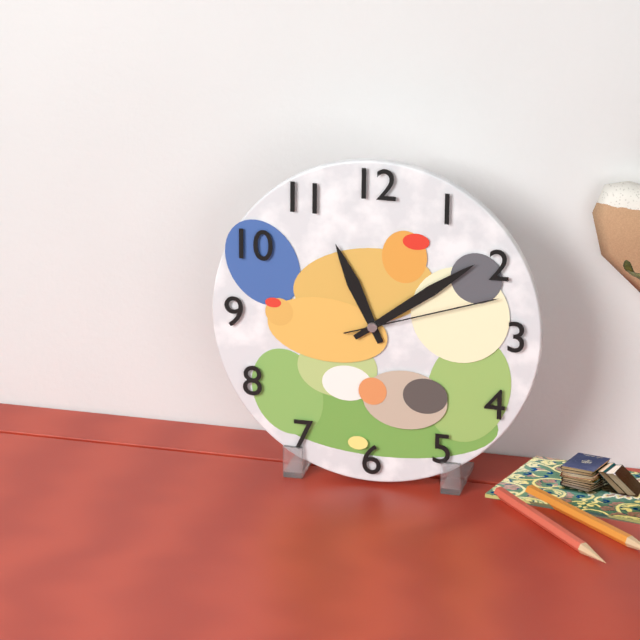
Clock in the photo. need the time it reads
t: 11:09:12
